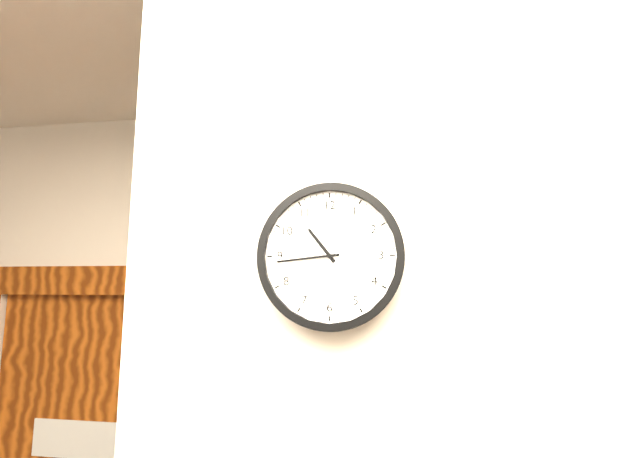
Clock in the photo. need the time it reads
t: 10:44
